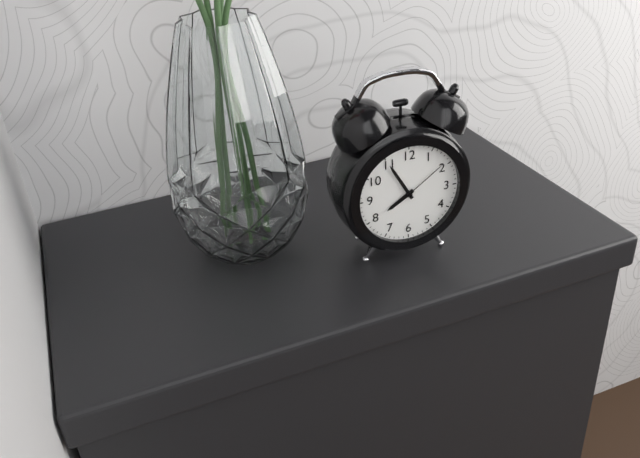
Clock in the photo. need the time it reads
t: 7:55:09
